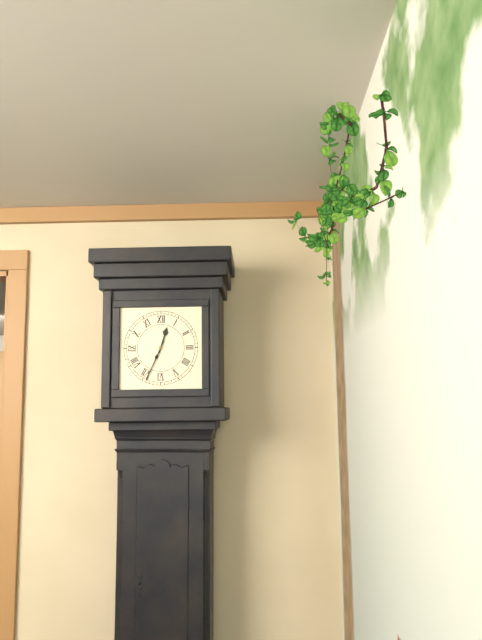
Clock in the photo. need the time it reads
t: 12:34
